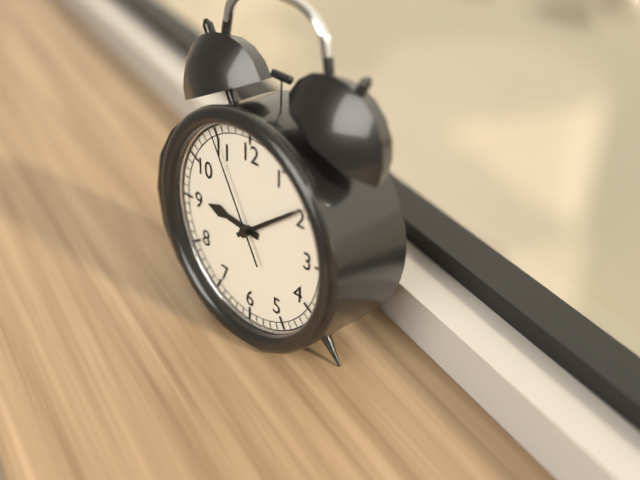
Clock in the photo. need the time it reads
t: 9:09:55
